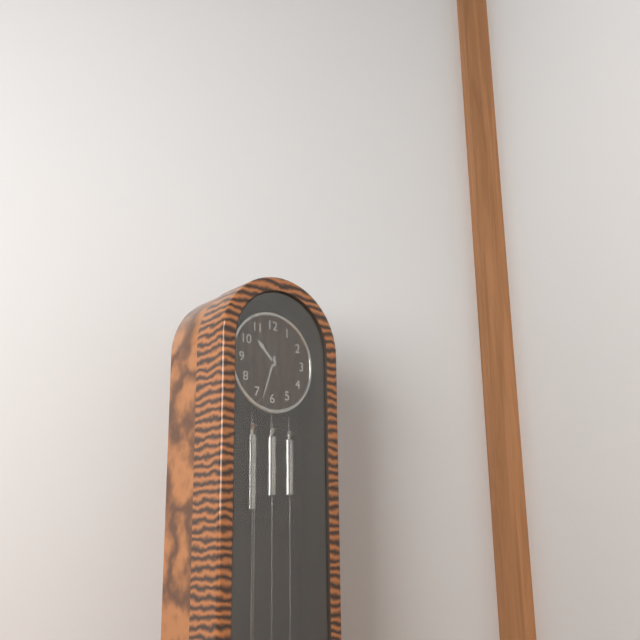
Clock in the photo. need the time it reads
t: 10:33
